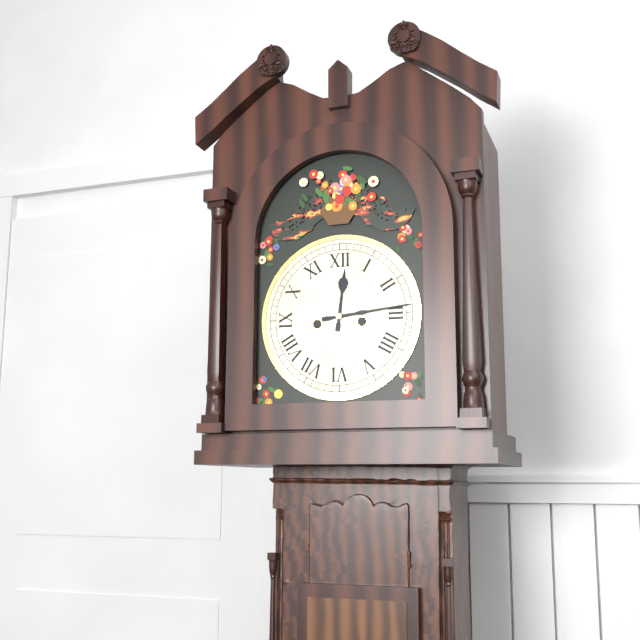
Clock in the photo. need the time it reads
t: 12:14
